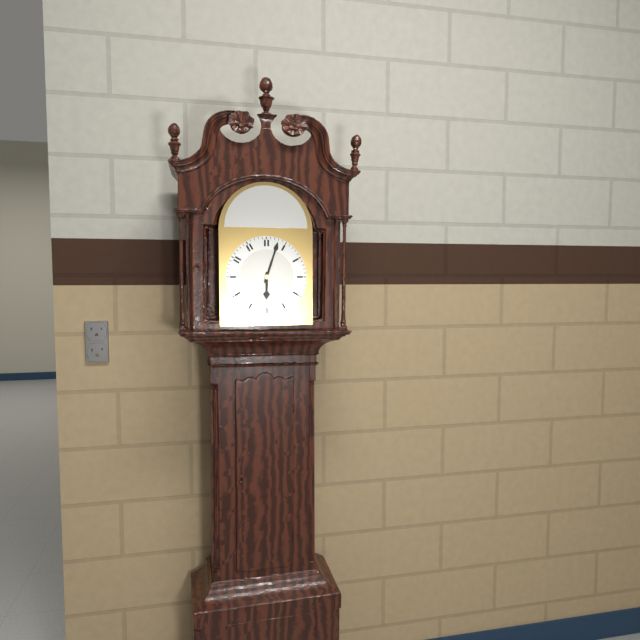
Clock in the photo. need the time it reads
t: 6:03
